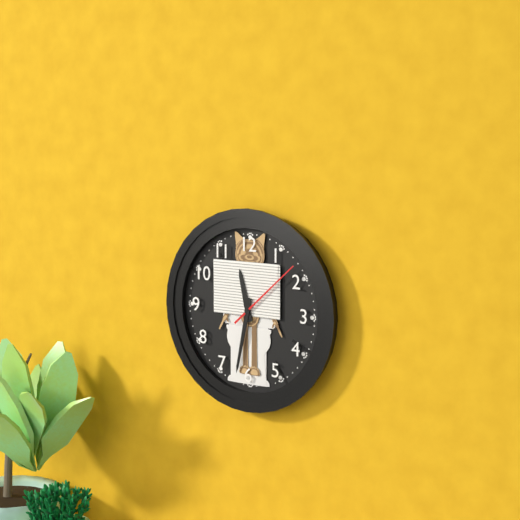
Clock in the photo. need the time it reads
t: 11:32:08
